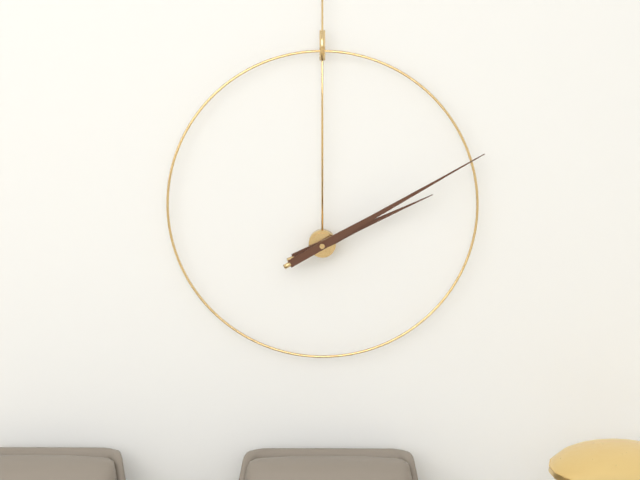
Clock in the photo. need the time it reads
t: 2:10
